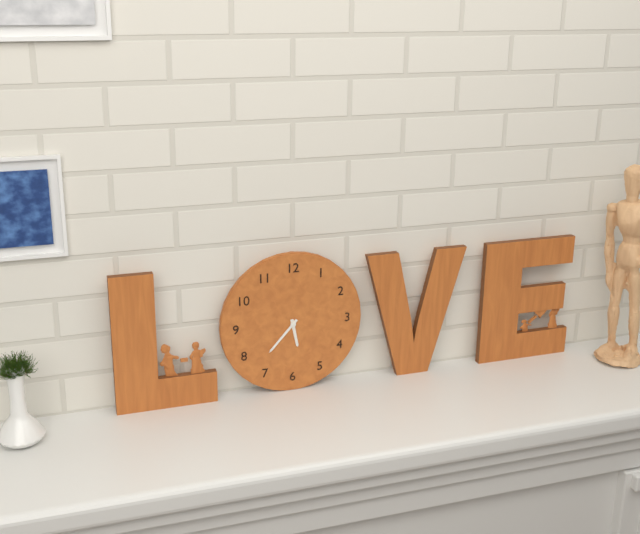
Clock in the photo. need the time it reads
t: 5:37
